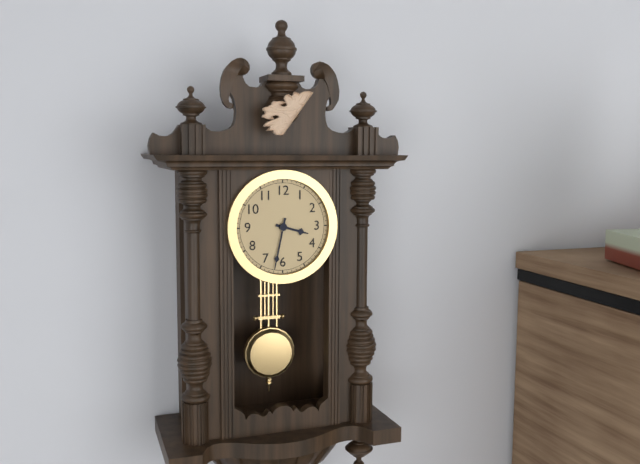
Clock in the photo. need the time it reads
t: 3:32
